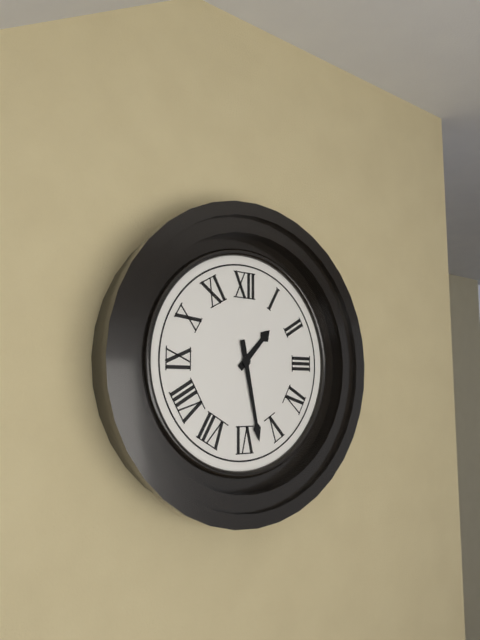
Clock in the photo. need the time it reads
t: 1:28
